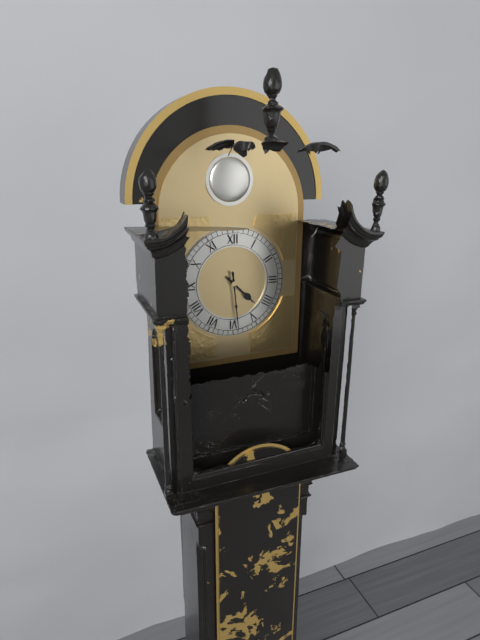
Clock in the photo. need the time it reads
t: 4:29
